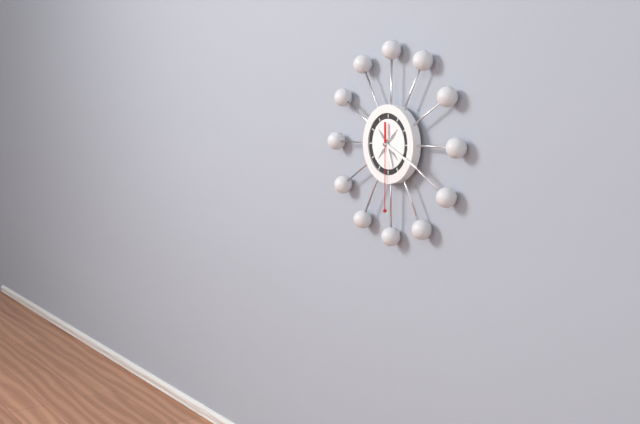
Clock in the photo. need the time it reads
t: 5:19:30
